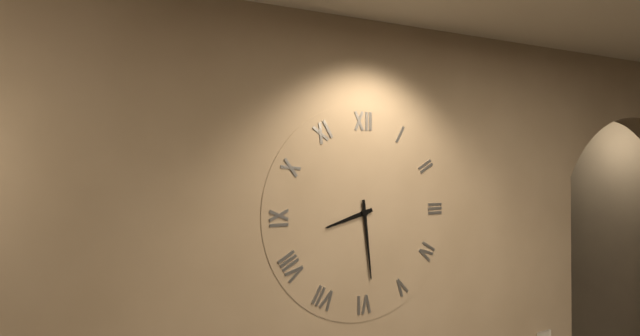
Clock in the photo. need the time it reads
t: 8:29
